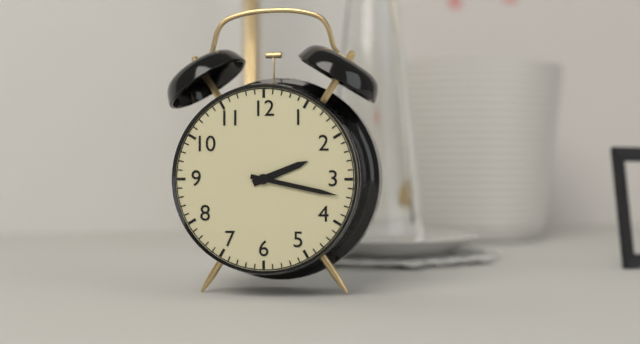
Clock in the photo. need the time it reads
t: 2:17
